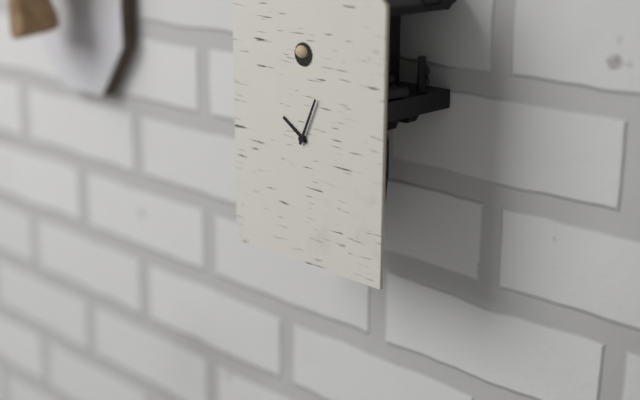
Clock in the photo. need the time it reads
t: 10:04
